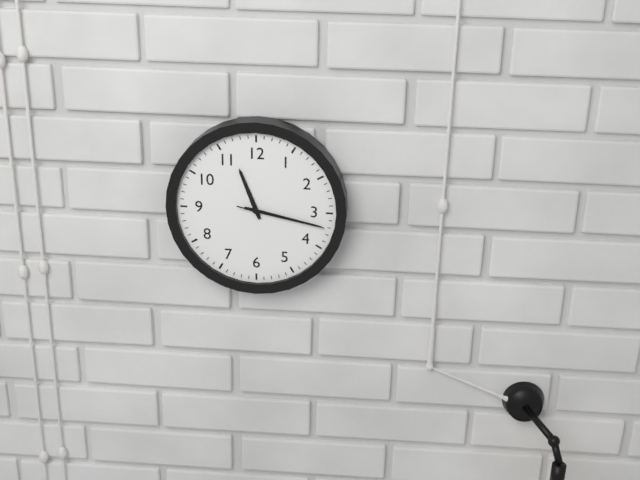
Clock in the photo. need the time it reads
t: 11:17:17
